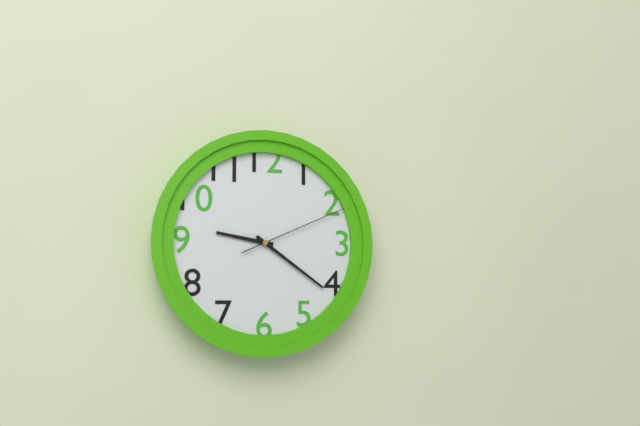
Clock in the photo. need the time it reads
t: 9:21:11
